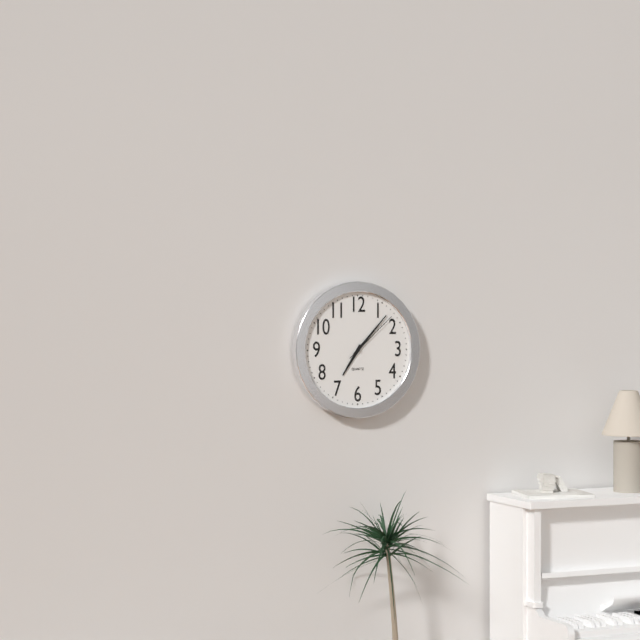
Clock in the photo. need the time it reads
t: 7:07:08
